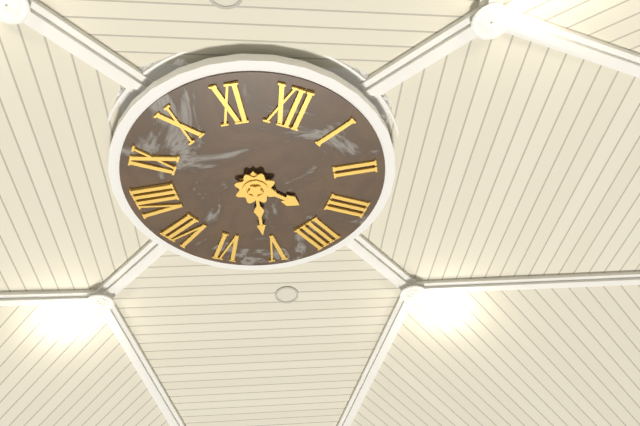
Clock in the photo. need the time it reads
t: 3:26
